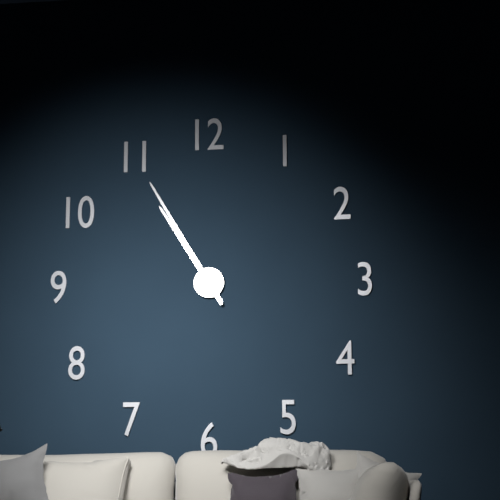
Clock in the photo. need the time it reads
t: 10:55
